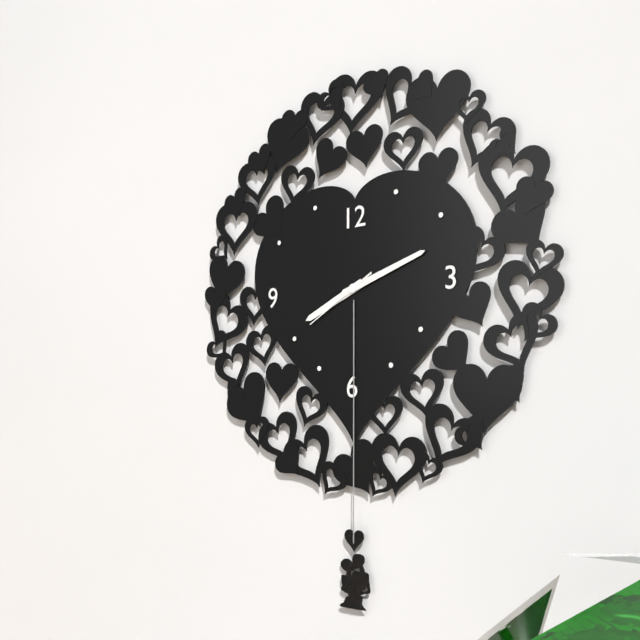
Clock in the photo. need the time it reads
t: 8:12:40
